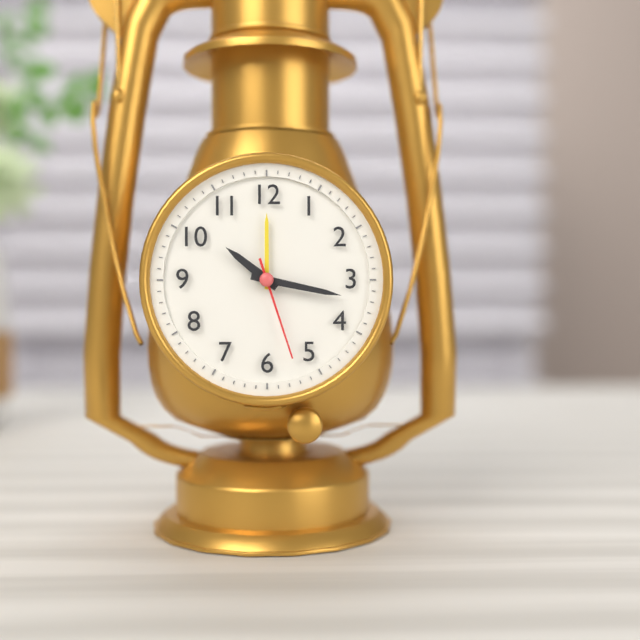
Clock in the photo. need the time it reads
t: 10:17:27
